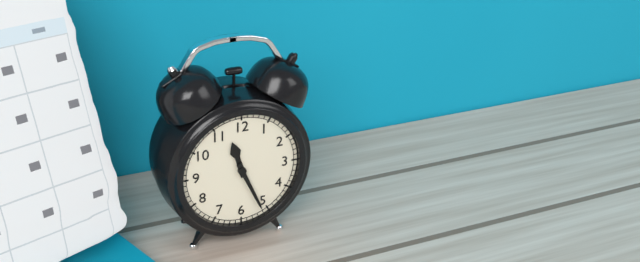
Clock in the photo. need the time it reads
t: 11:26
